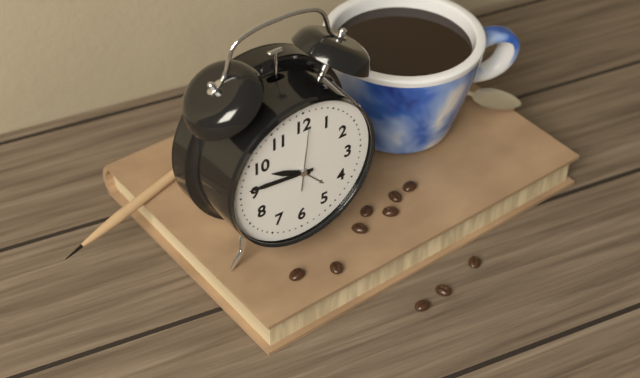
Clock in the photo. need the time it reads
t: 9:46
